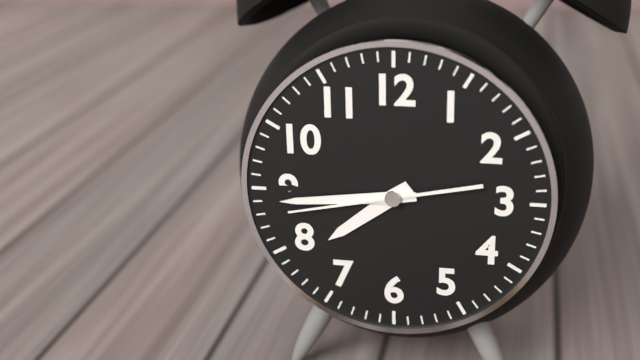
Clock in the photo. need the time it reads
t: 7:44:43
